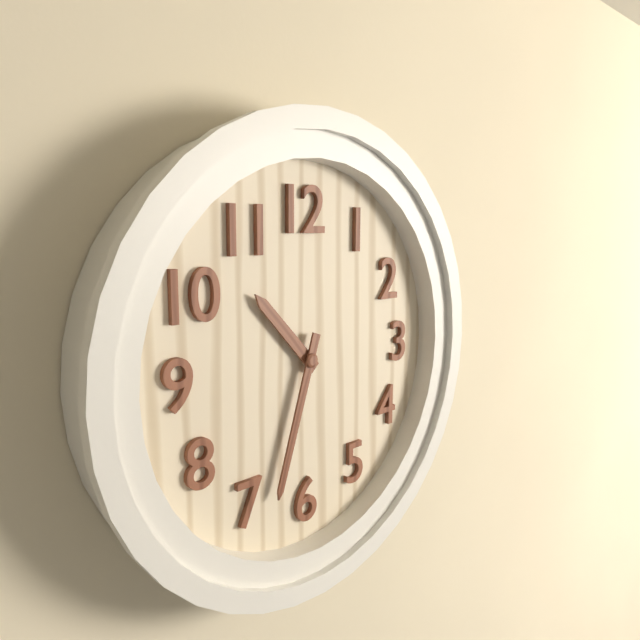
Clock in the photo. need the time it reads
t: 10:33
